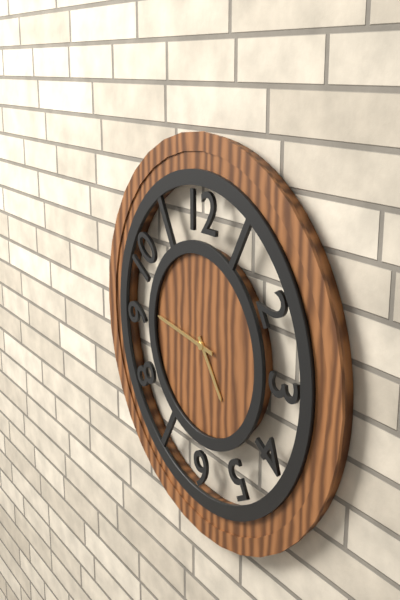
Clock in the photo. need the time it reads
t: 4:46
